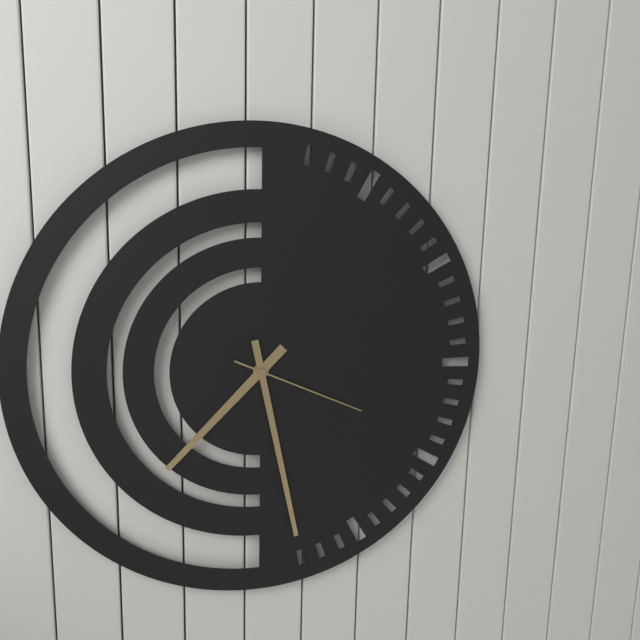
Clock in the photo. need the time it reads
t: 7:28:19
